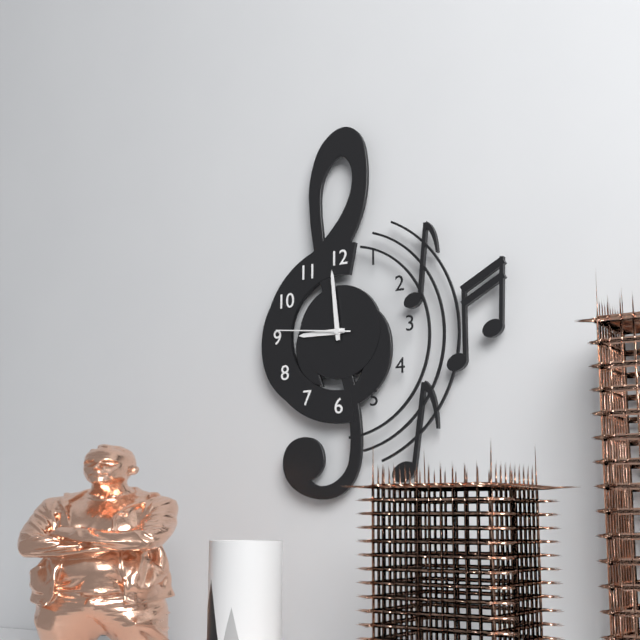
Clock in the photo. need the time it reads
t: 8:59:46
